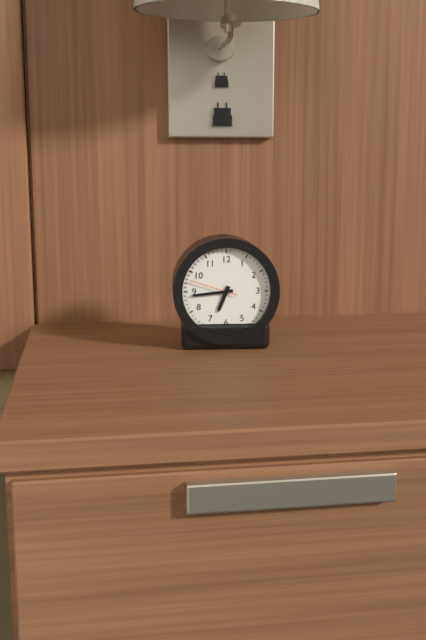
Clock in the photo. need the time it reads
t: 6:44
